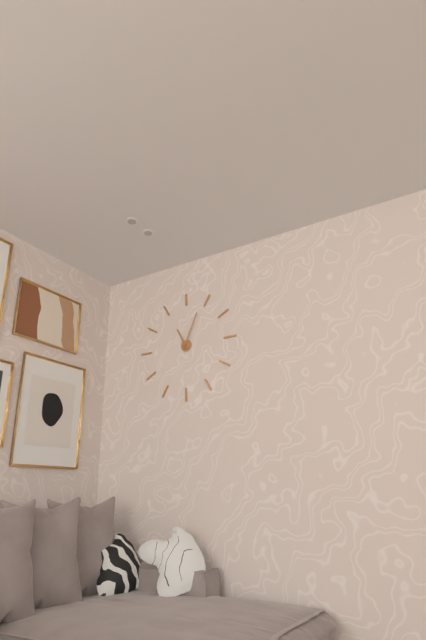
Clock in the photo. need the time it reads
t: 11:04
